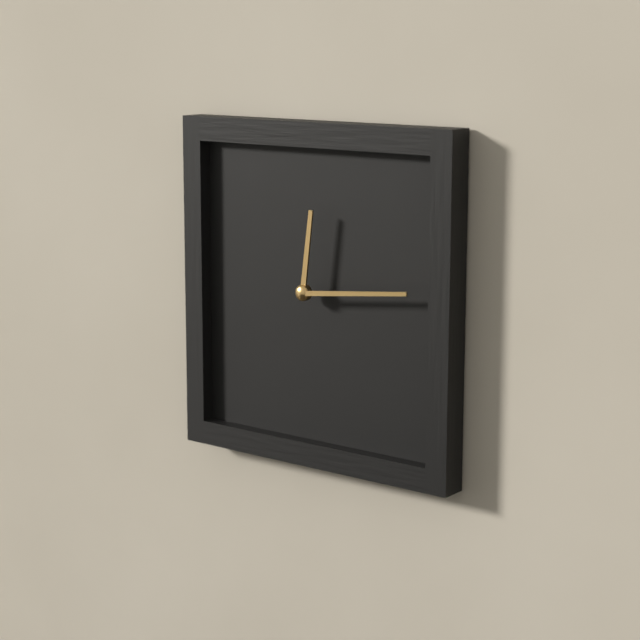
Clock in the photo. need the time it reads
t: 12:14
